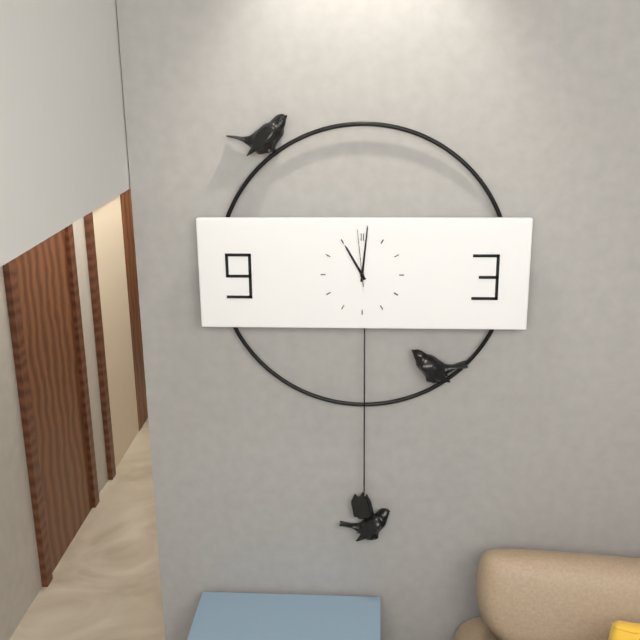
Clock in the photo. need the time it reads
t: 11:01:59
